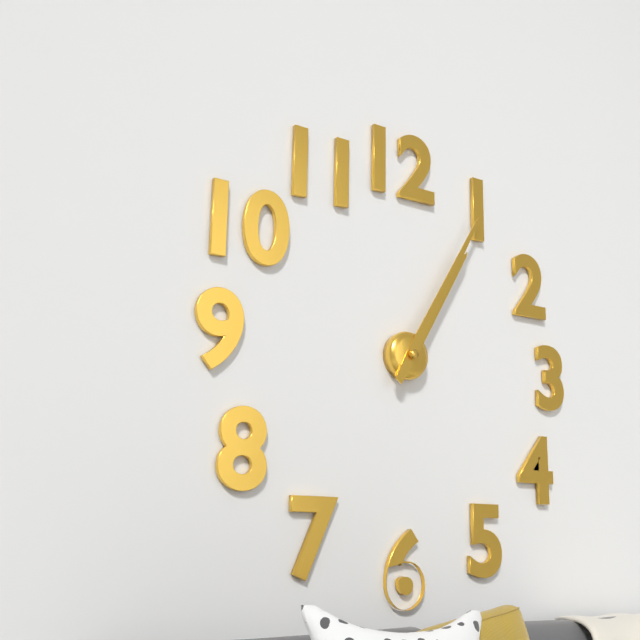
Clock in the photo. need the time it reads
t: 1:05
